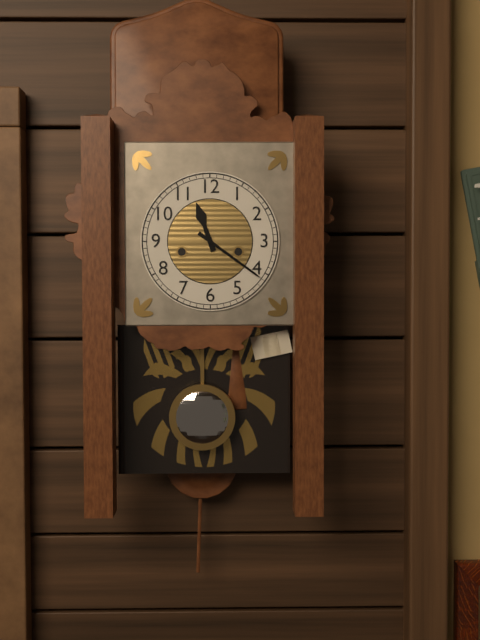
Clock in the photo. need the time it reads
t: 11:21
